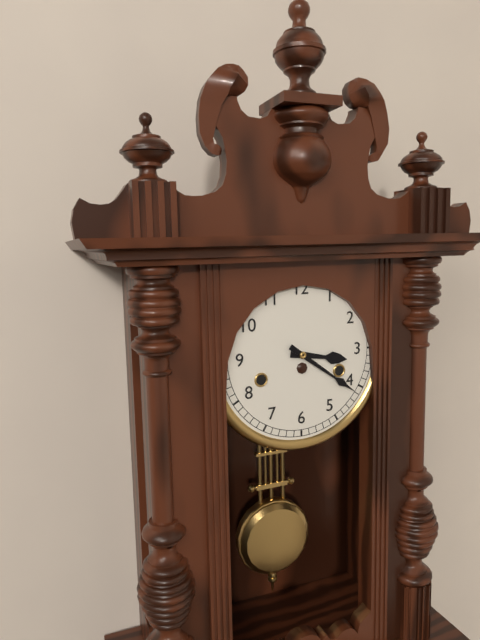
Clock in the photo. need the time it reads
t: 3:21
